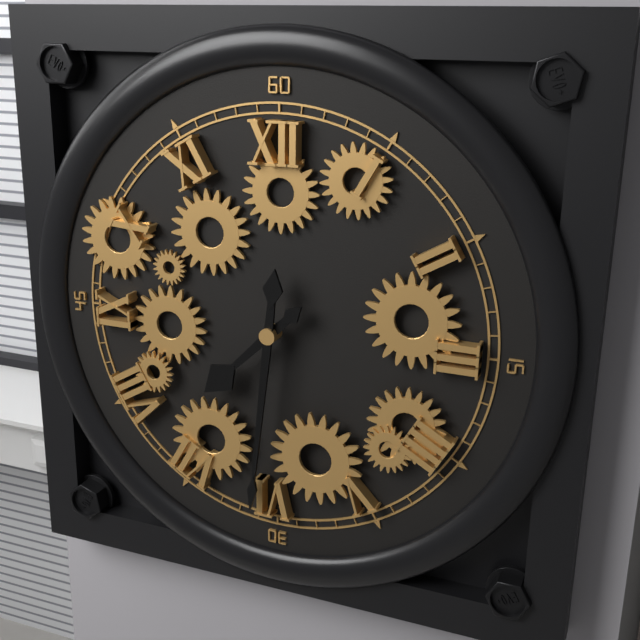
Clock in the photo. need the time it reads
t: 7:31
